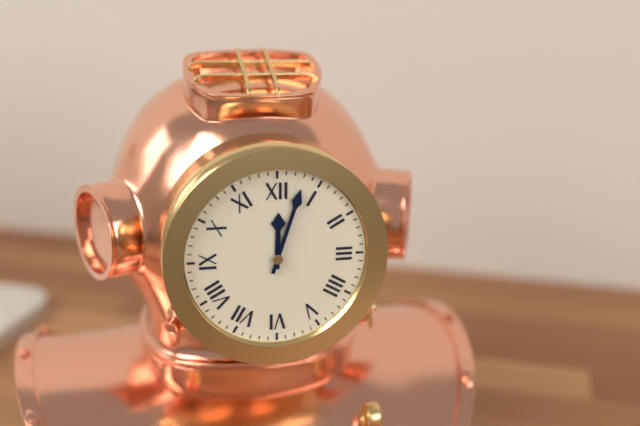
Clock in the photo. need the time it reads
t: 12:03
